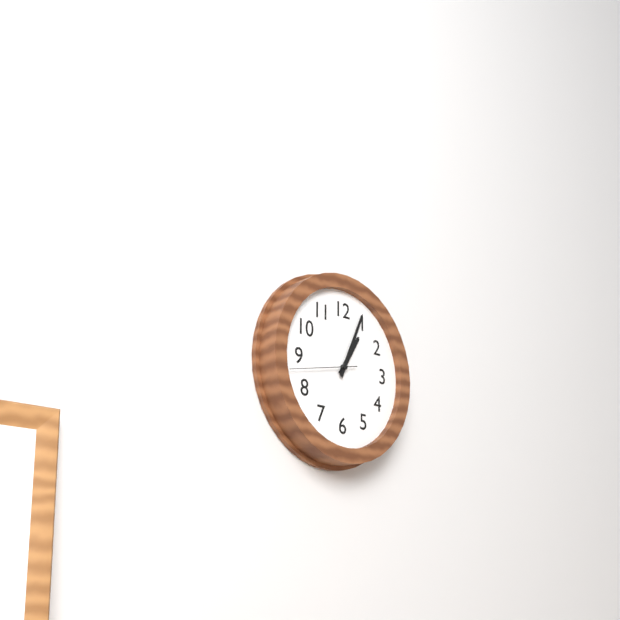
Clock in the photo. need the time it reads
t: 1:04:43
